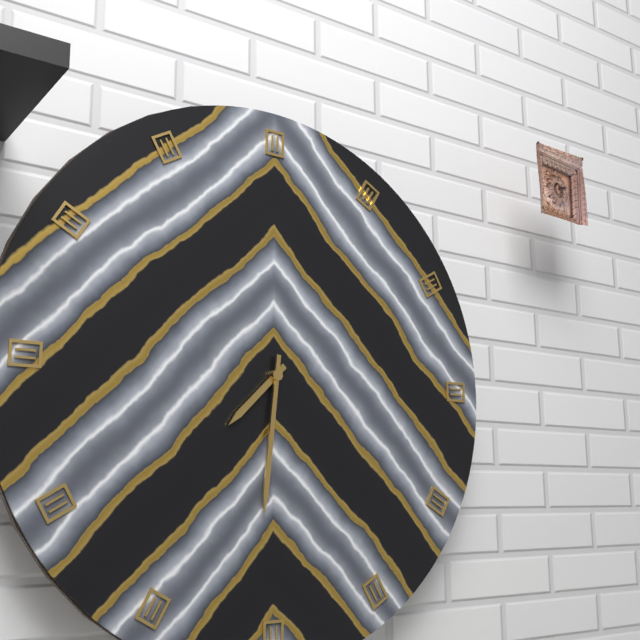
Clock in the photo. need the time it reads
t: 7:31
